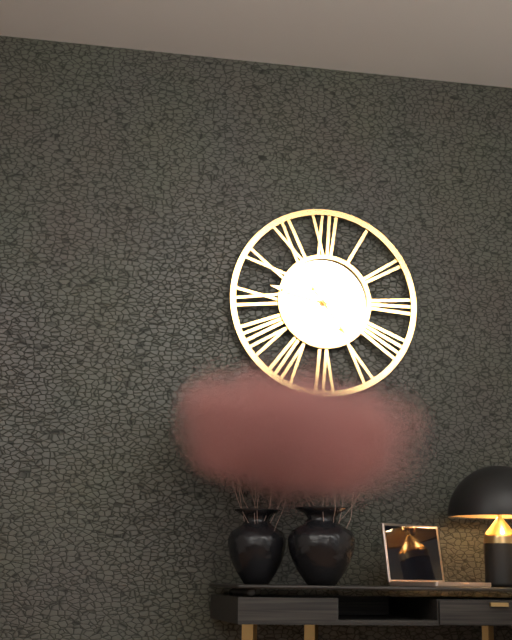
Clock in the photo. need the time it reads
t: 4:47
